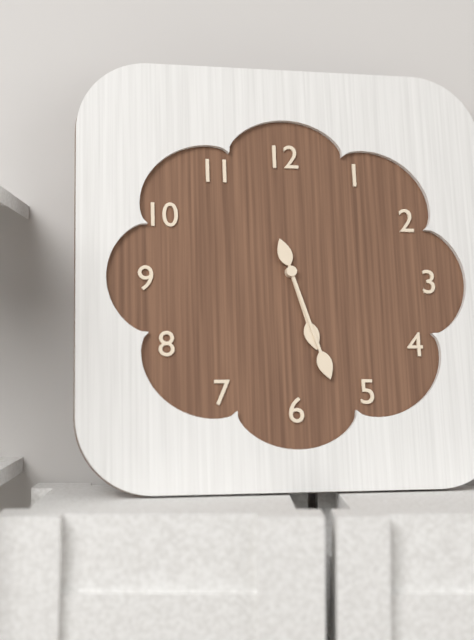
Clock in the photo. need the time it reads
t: 5:27
